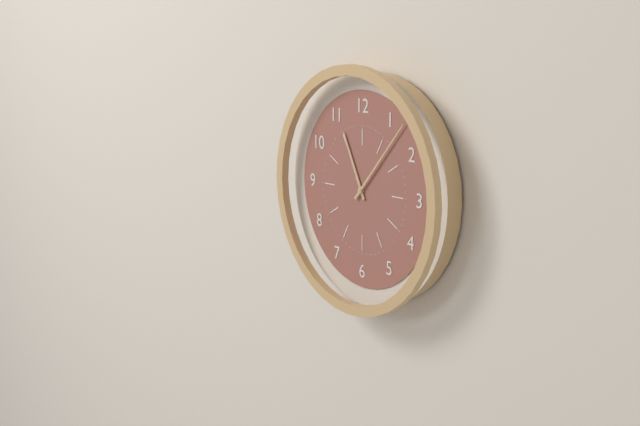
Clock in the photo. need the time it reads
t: 11:07
